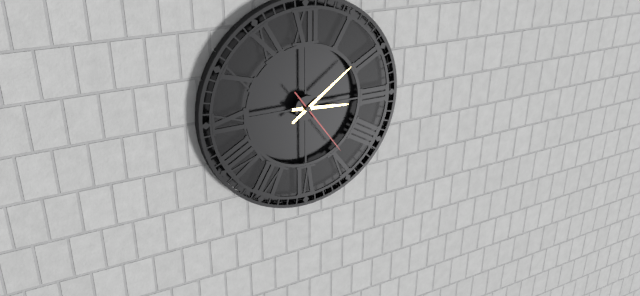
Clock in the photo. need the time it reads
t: 3:09:24
